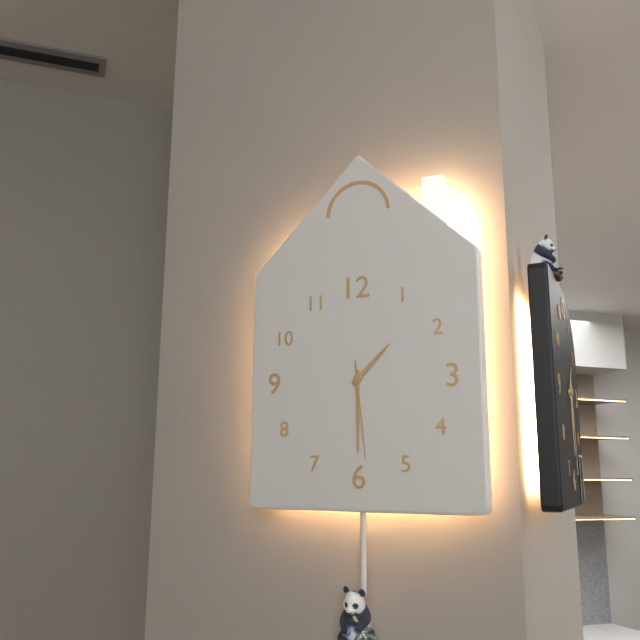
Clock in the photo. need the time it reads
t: 1:30:29
